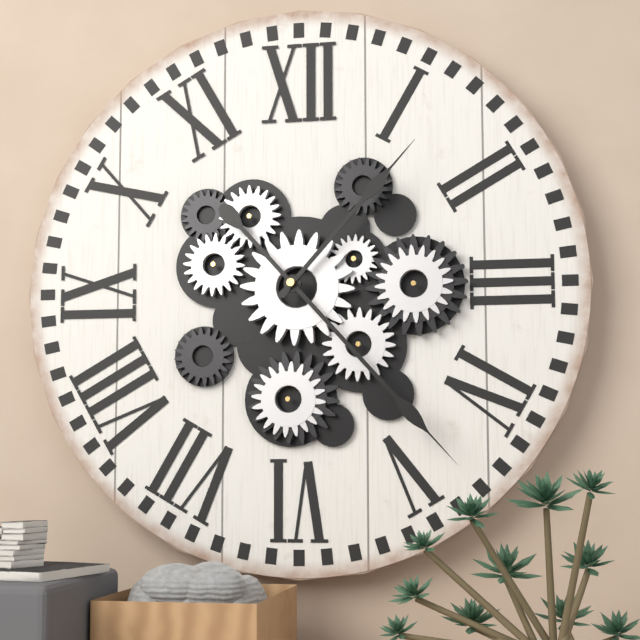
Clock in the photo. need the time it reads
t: 1:23
